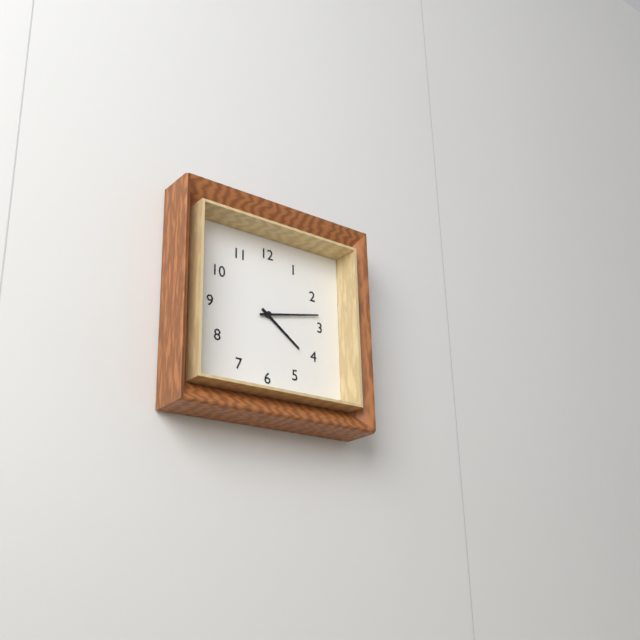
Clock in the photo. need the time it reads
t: 4:13
